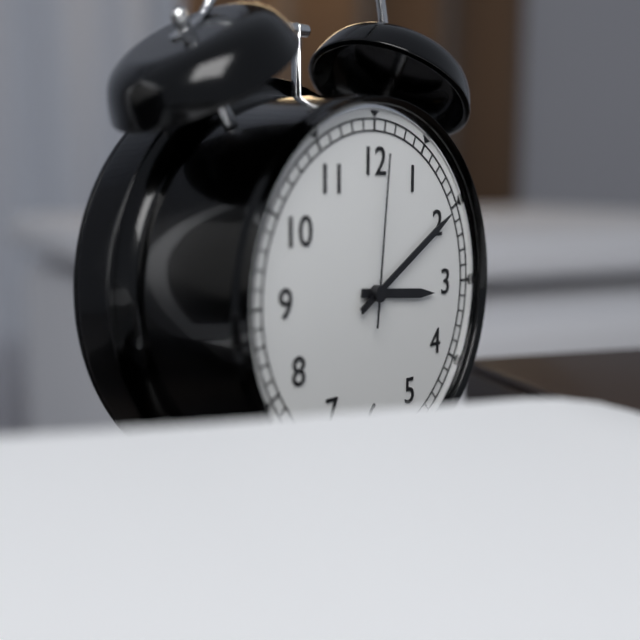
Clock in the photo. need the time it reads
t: 3:10:01
